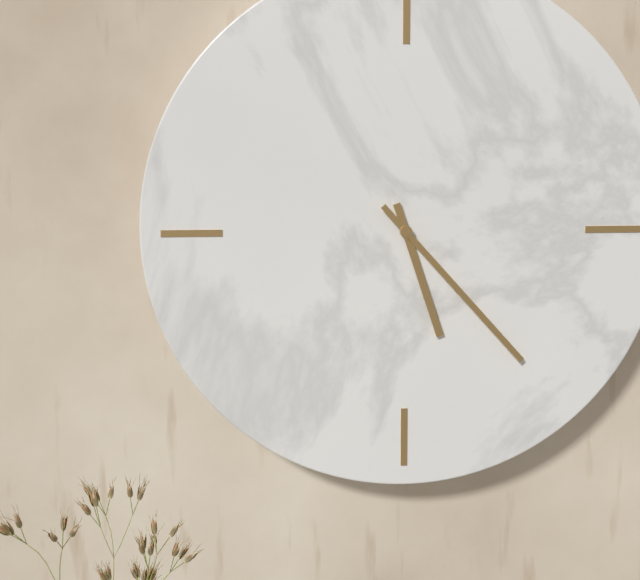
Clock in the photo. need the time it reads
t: 5:23
